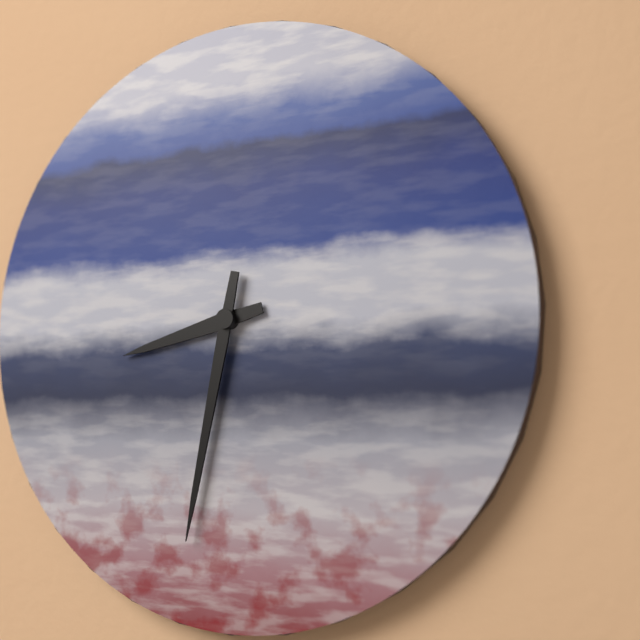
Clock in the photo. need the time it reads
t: 8:32
